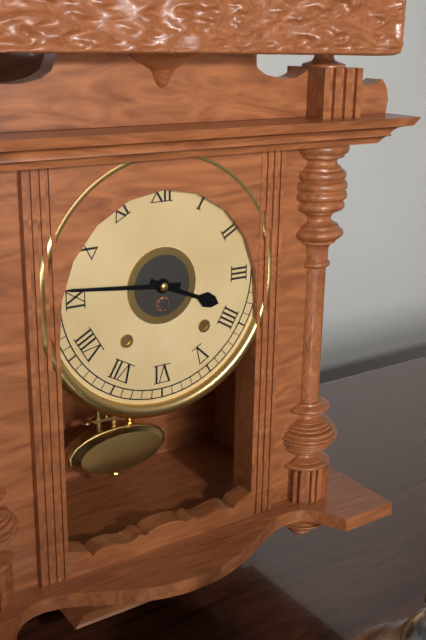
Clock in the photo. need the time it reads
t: 3:46
